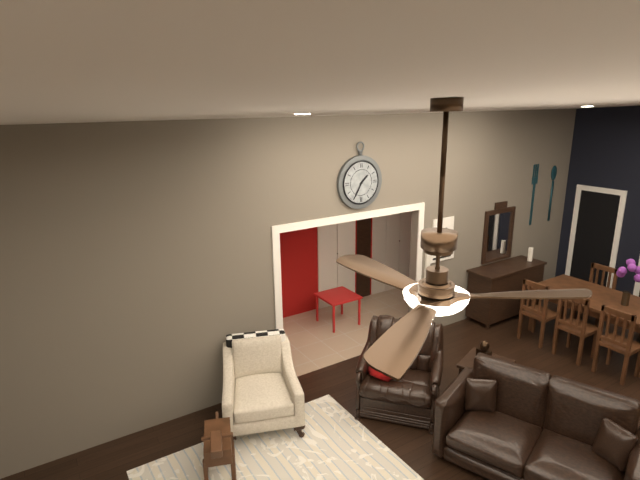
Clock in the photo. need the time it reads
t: 1:35
